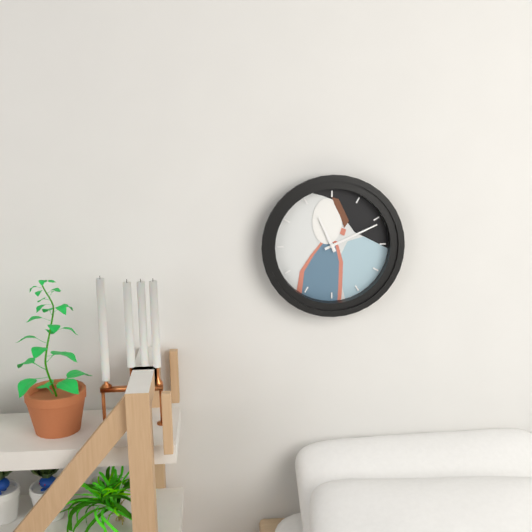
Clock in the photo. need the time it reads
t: 11:11
